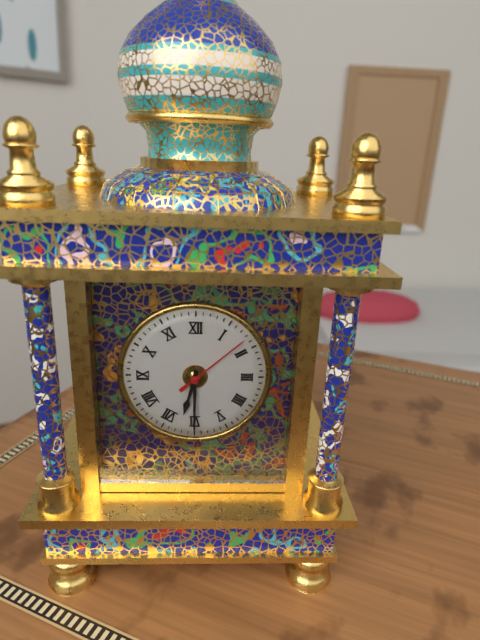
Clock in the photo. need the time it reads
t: 6:30:08
